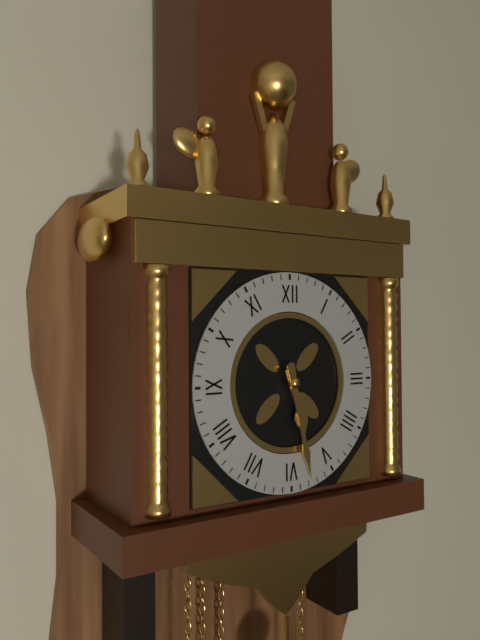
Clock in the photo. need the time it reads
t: 5:28
